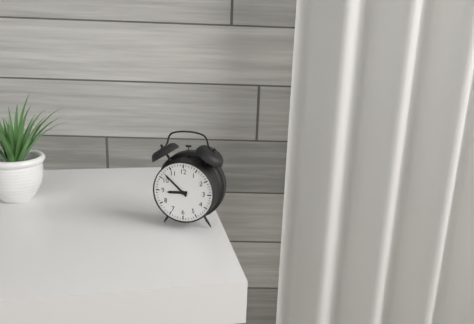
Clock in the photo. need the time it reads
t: 8:52
